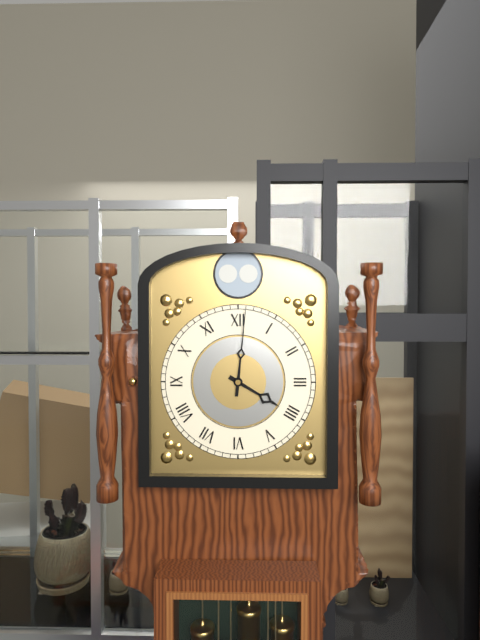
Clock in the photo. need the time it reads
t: 4:01
